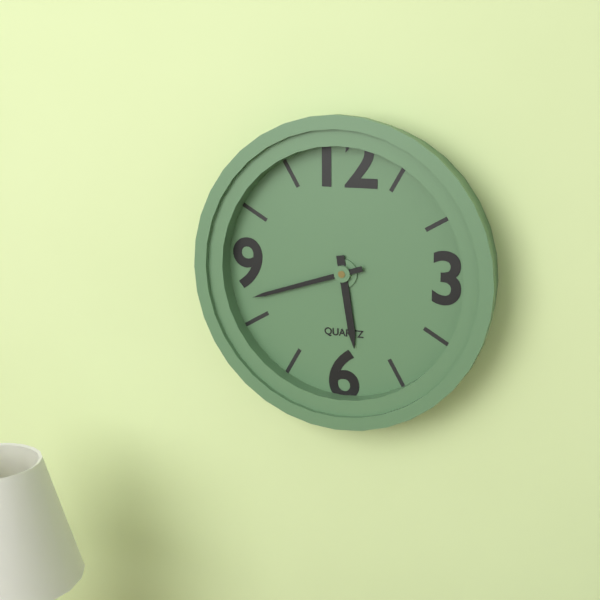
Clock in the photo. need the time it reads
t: 5:42
